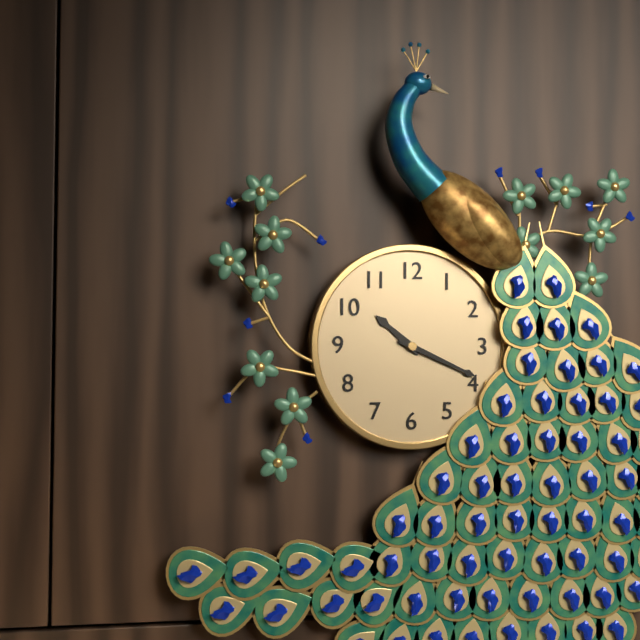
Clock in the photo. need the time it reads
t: 10:19
